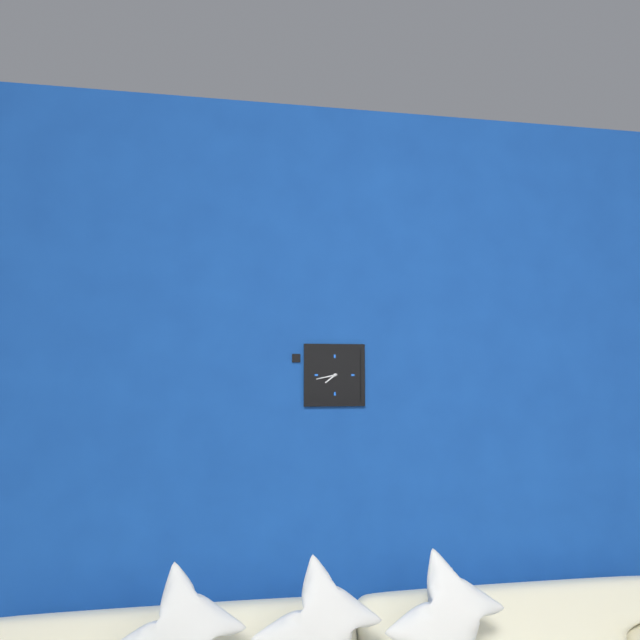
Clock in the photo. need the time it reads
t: 7:43
